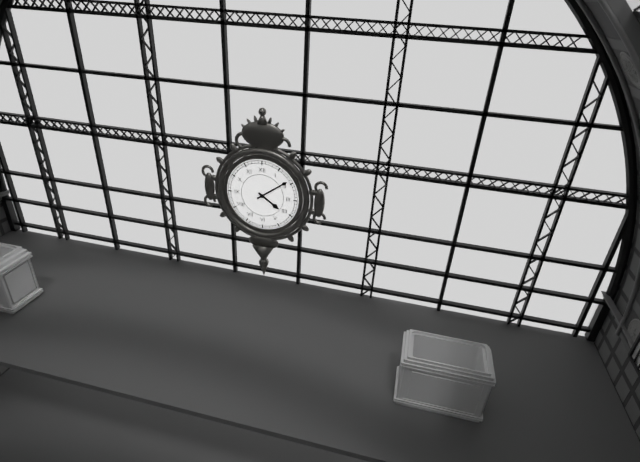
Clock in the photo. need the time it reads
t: 4:09
